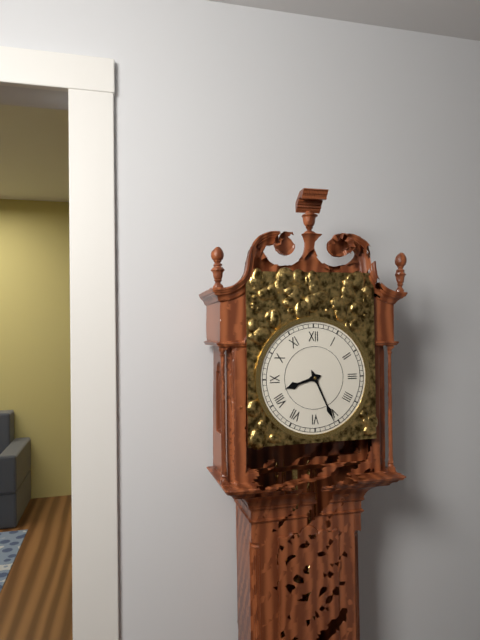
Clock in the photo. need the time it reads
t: 8:26
